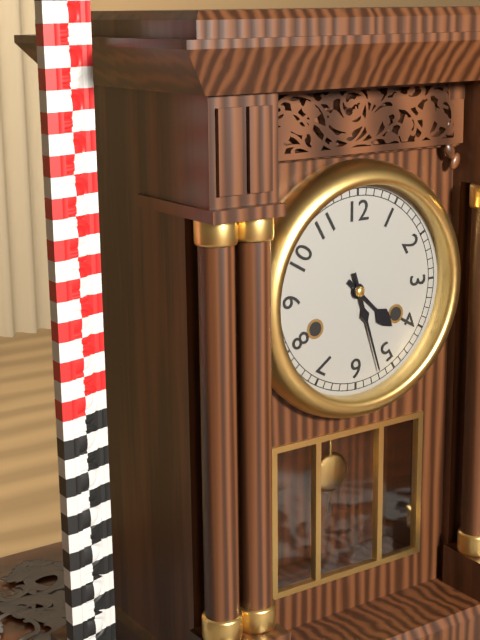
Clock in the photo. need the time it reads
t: 4:27
